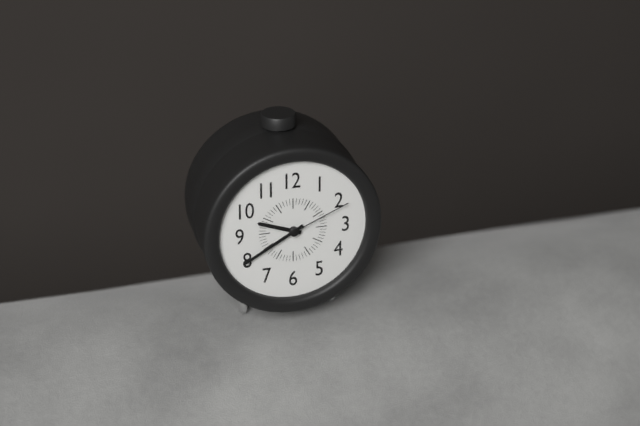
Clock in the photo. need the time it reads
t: 9:40:11
